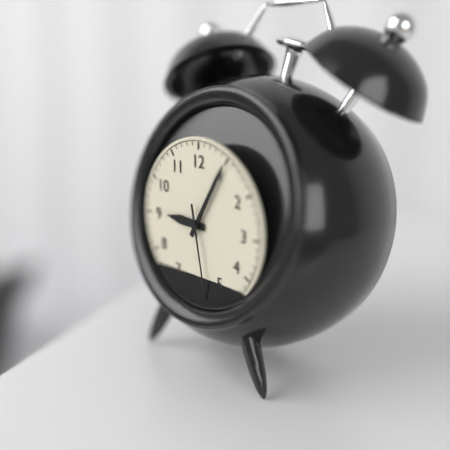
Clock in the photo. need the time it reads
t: 9:05:28
